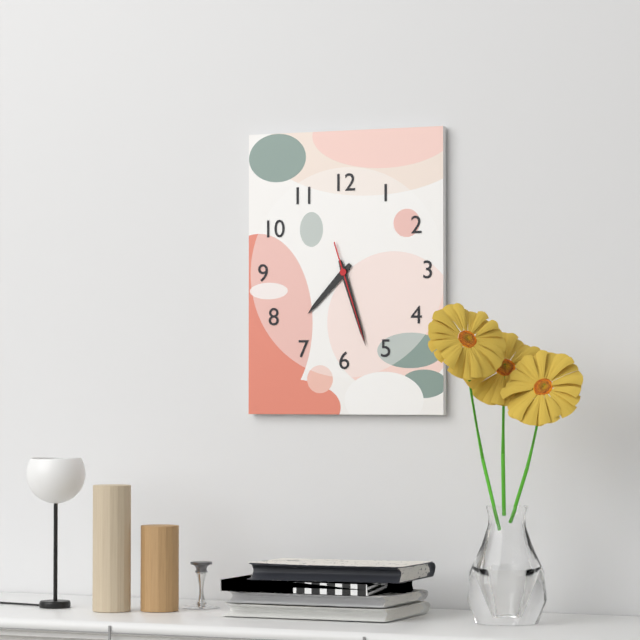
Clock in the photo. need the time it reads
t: 7:27:27
